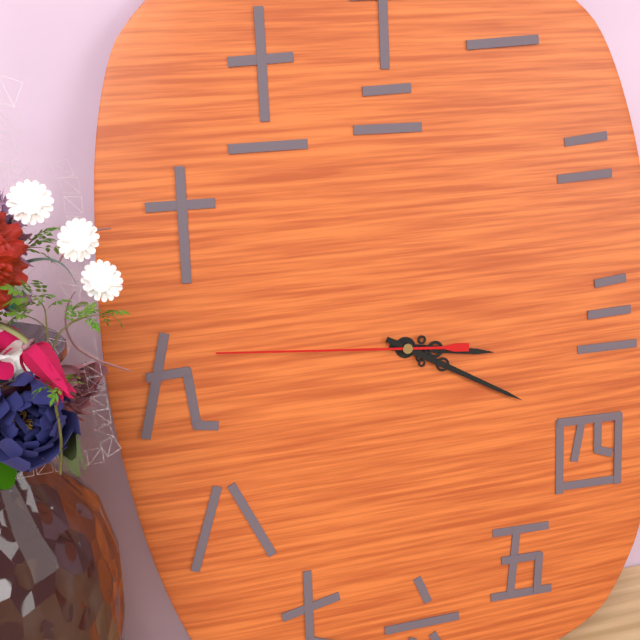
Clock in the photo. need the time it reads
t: 3:20:46
